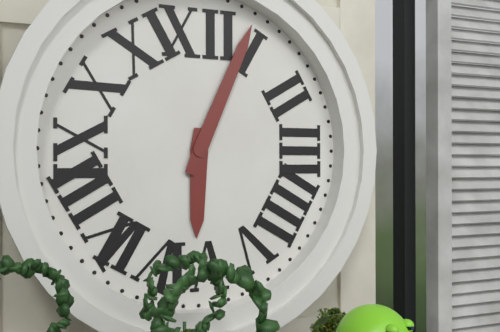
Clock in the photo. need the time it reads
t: 6:04
